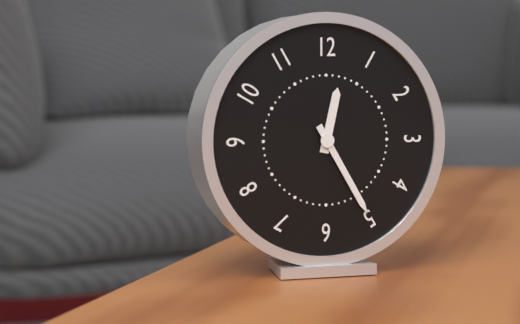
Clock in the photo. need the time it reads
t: 12:25
